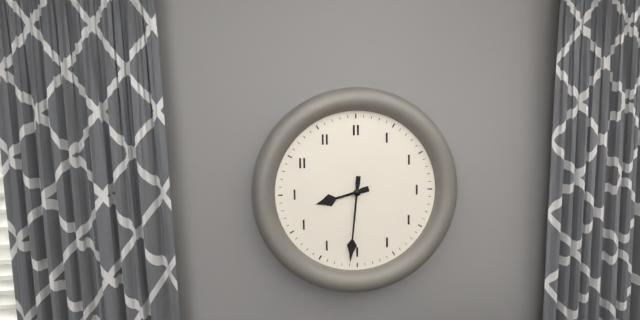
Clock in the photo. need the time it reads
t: 8:31
